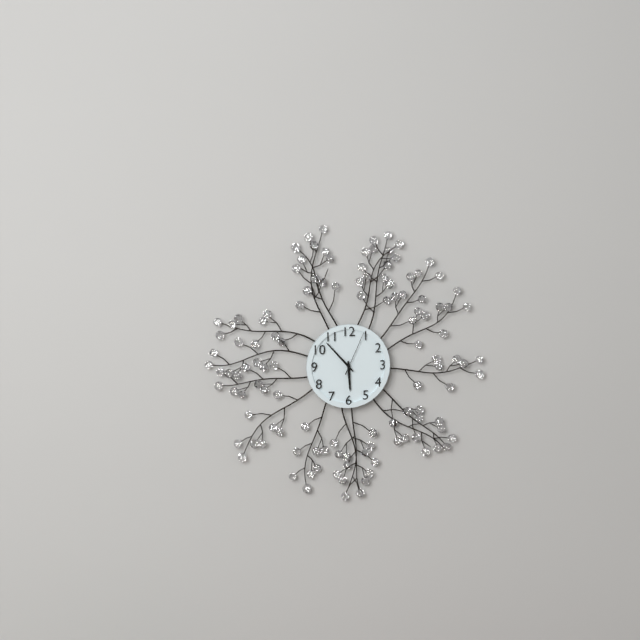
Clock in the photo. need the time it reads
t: 5:53
